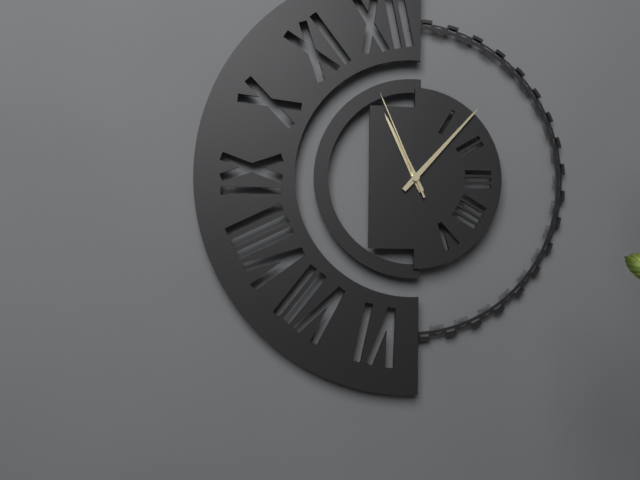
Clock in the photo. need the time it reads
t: 11:07:56
